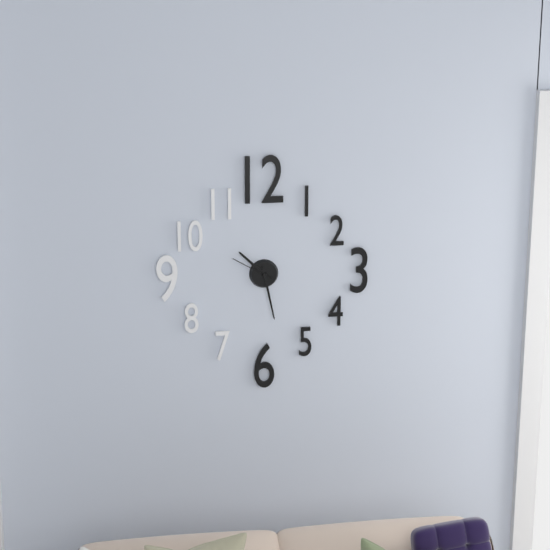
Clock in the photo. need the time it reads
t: 10:28
